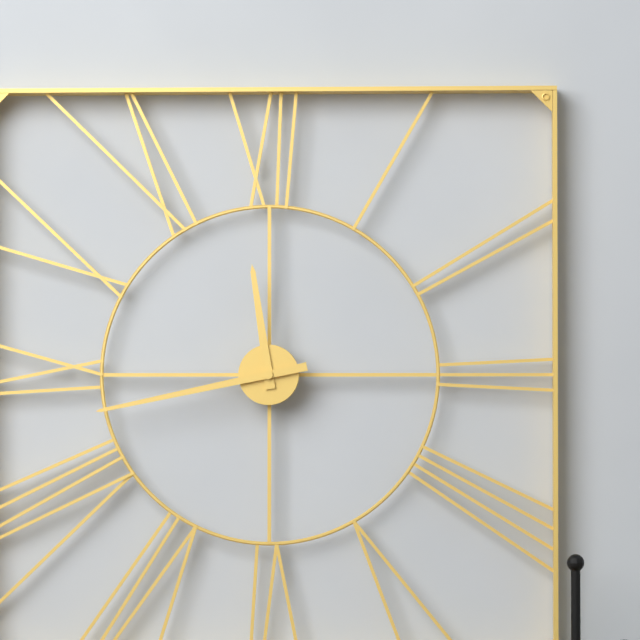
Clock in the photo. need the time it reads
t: 11:43
